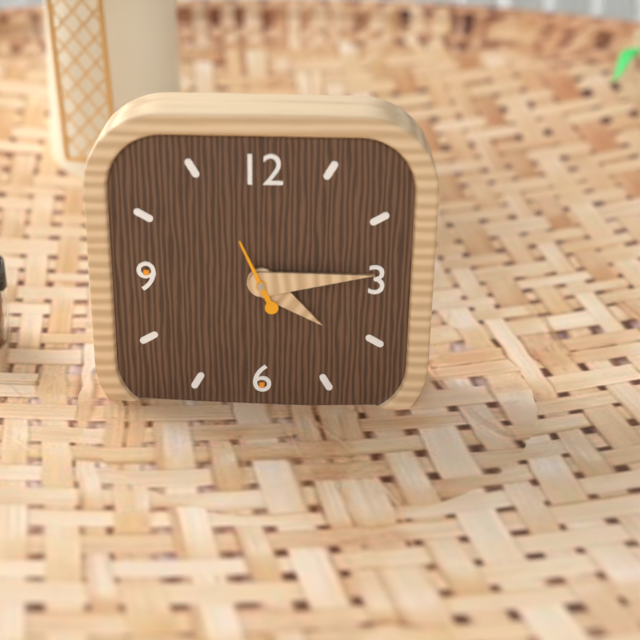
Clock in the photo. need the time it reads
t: 4:14
